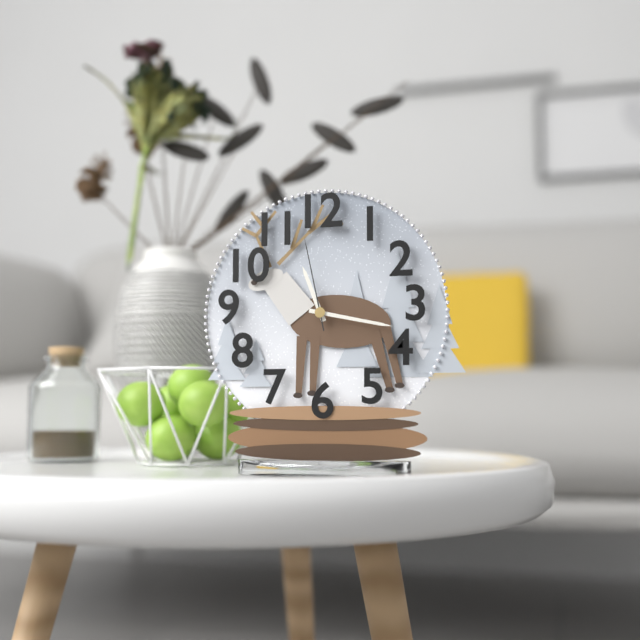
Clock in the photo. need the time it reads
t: 11:17:58
